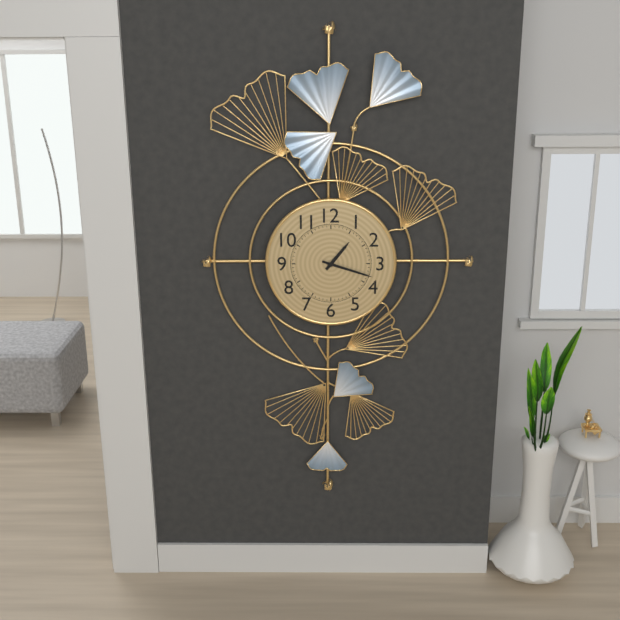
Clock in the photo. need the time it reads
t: 1:18
